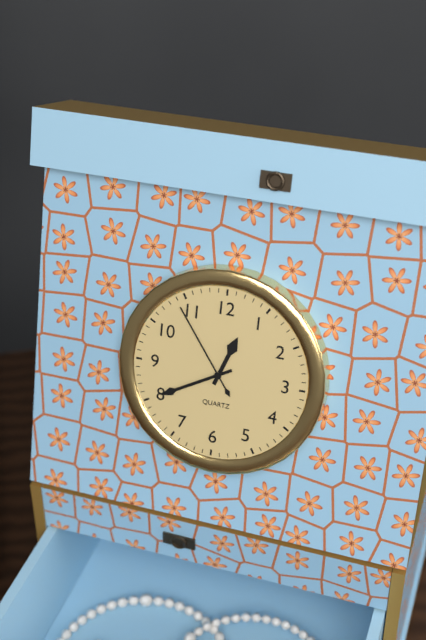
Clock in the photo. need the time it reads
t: 12:40:54
